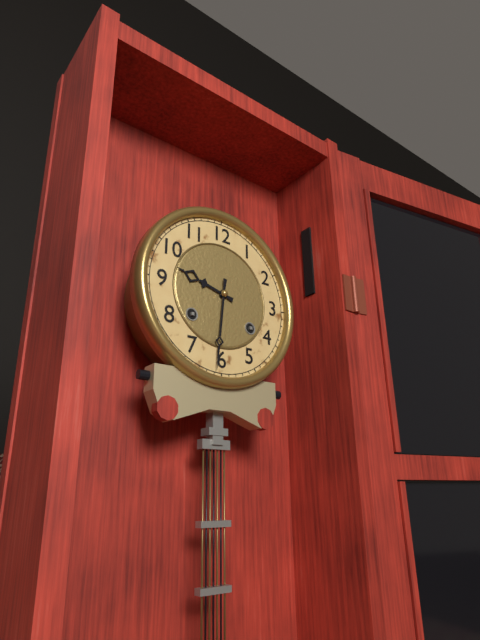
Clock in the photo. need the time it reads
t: 9:31
